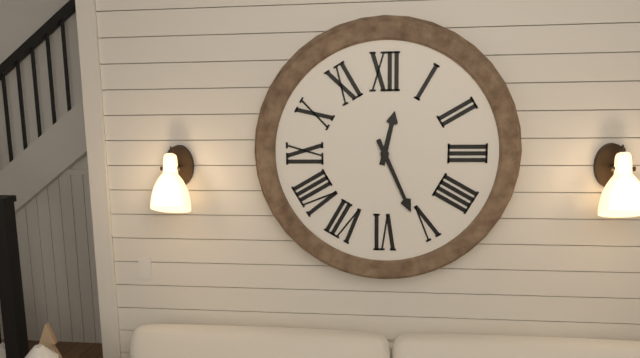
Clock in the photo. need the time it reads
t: 12:26
